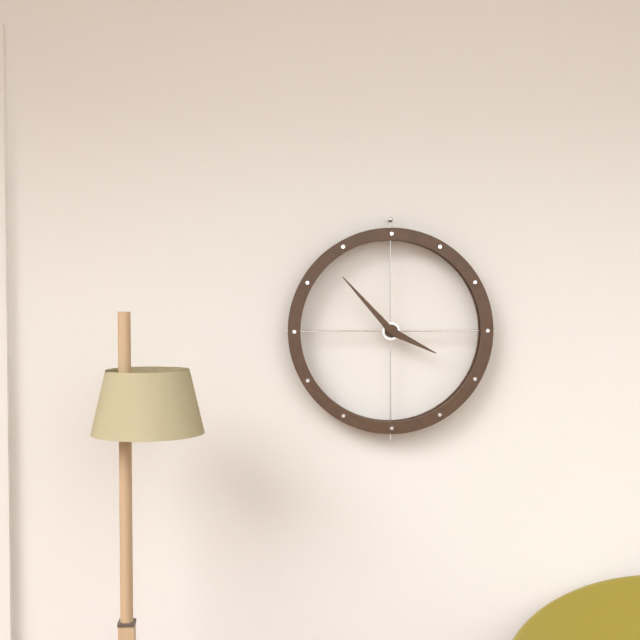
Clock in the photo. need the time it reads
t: 3:53
